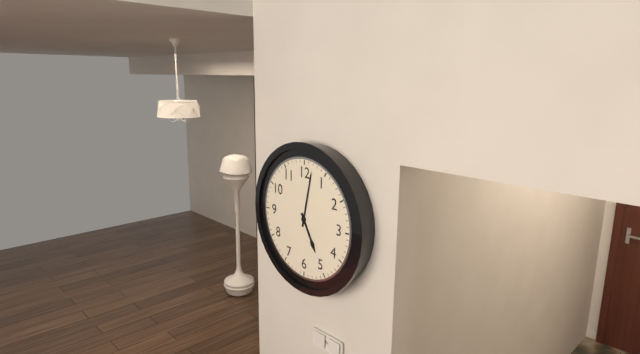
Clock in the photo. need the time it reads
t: 5:02
